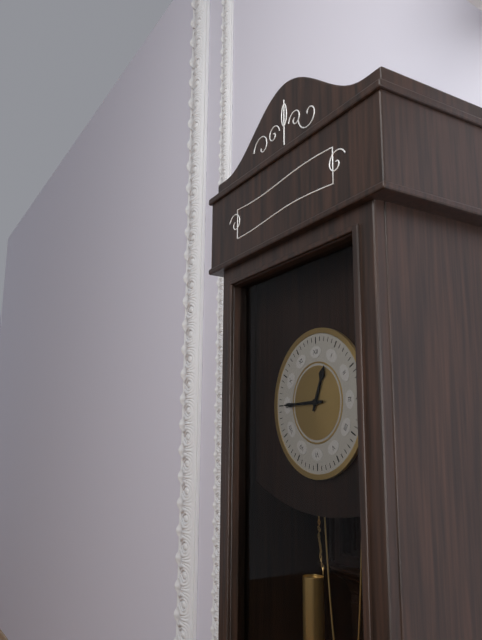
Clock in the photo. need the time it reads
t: 12:45
